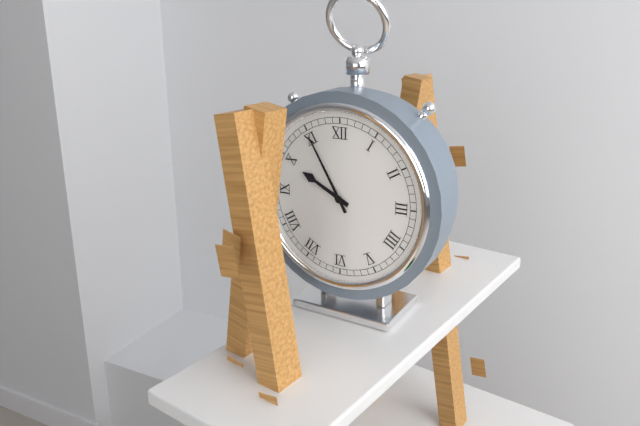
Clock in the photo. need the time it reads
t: 9:55
